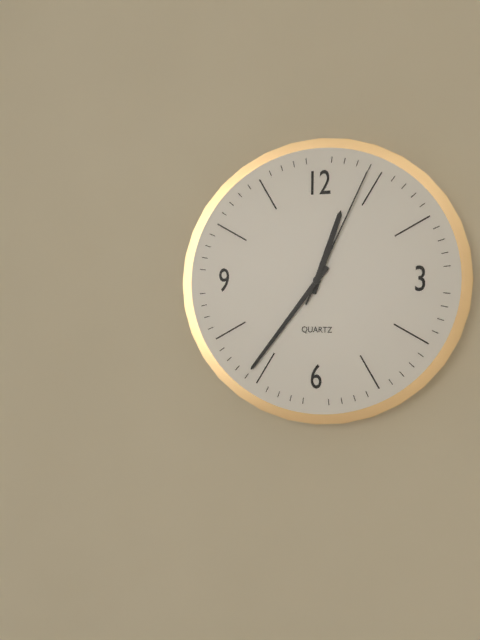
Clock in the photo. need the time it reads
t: 12:36:04
